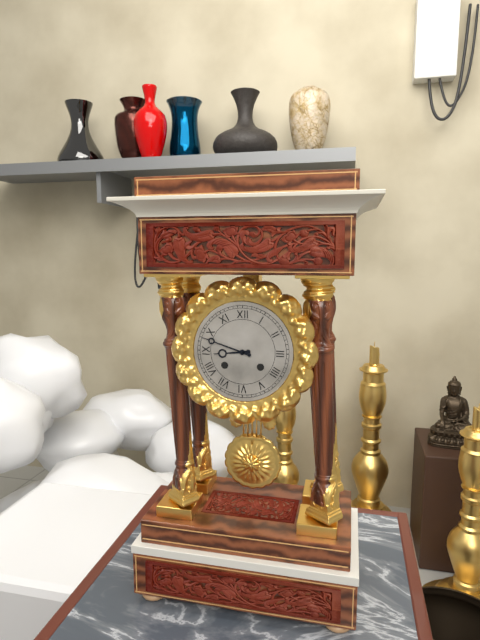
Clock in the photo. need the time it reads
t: 8:48
